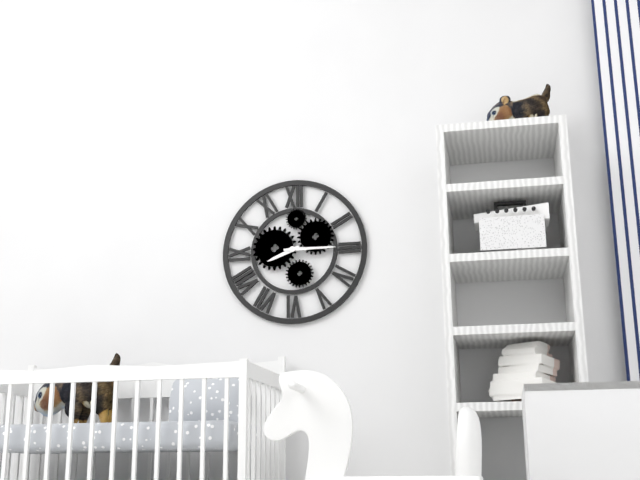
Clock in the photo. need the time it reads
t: 8:15
